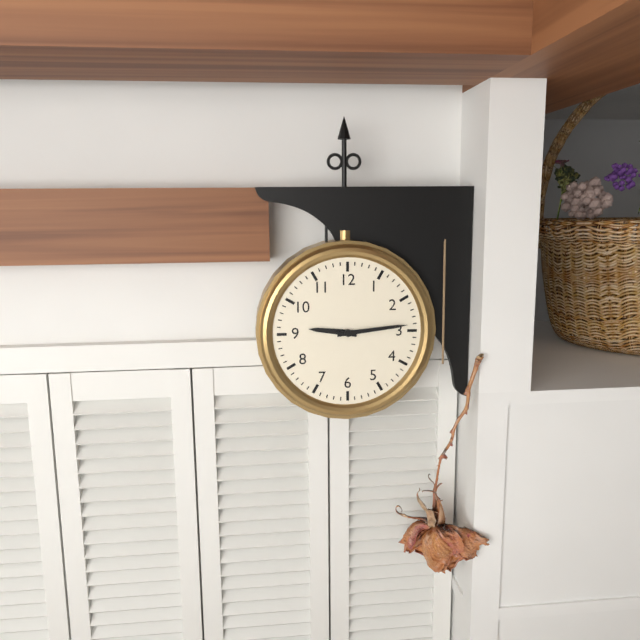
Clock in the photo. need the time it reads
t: 9:14
